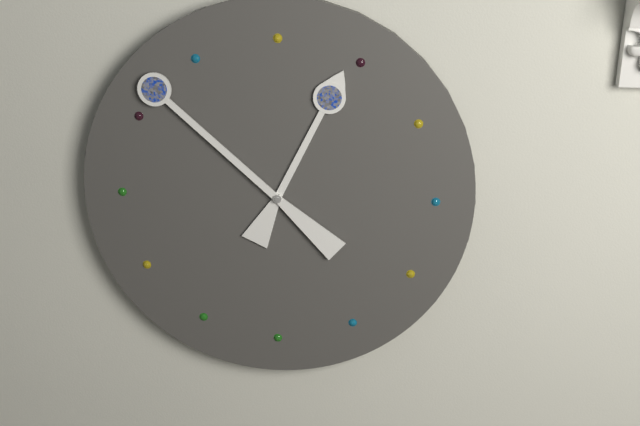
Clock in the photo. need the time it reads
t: 12:52
